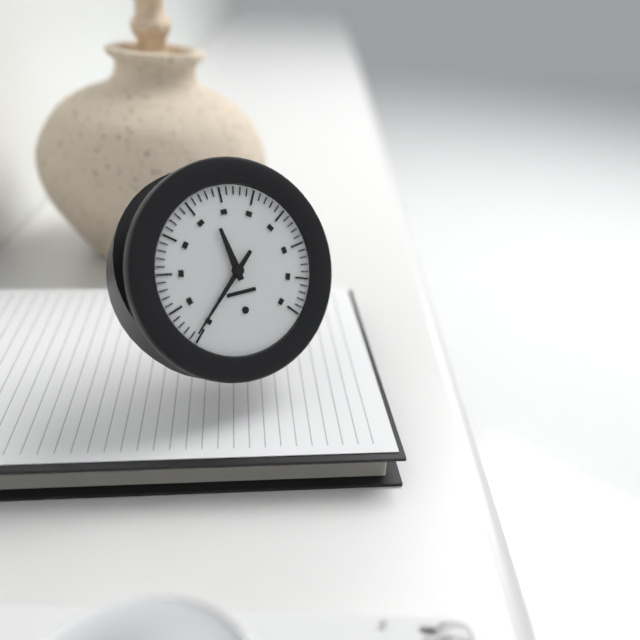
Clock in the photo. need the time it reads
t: 11:38
